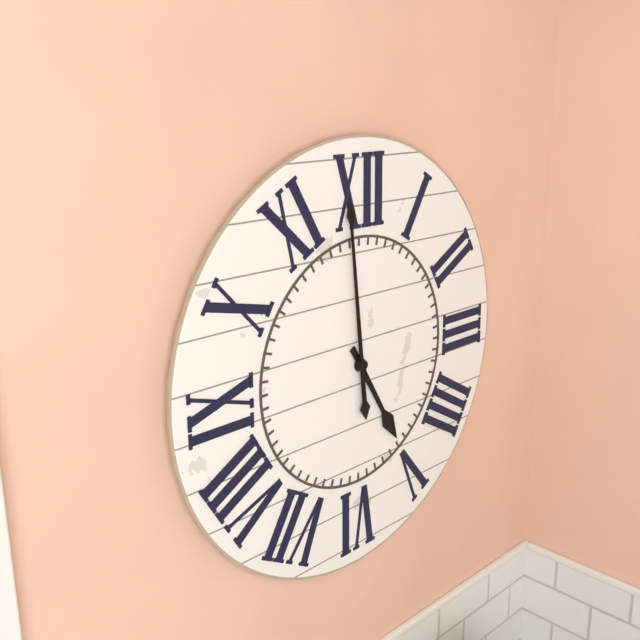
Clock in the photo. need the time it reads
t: 4:59
